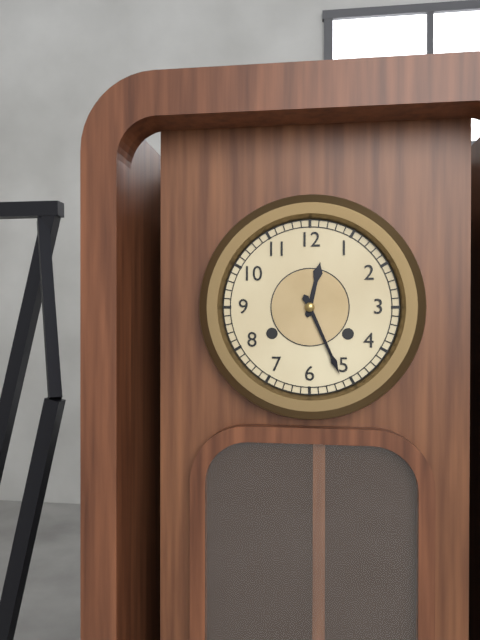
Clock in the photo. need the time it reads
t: 12:26
